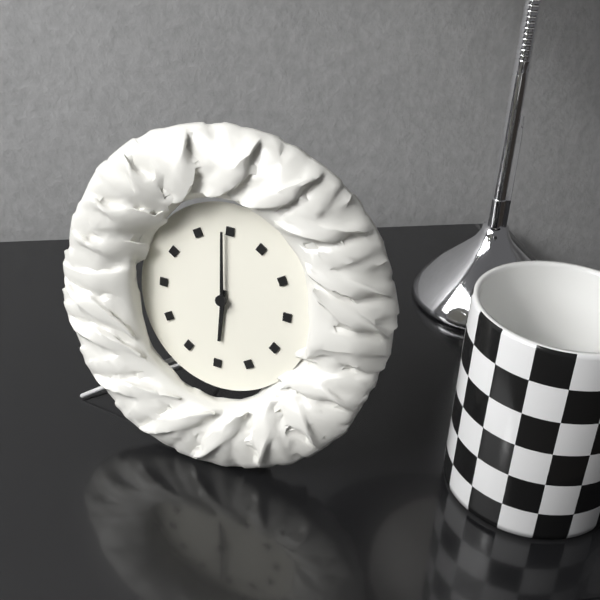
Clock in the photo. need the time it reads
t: 5:59
